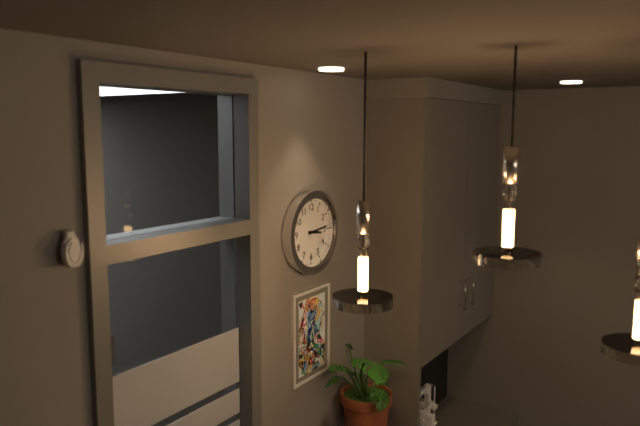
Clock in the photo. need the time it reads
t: 3:14
